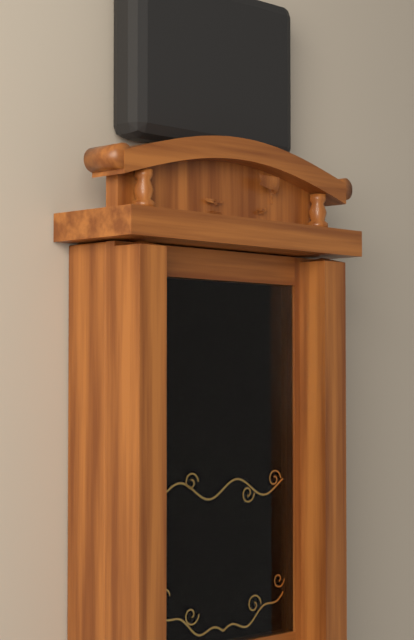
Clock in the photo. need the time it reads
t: 12:36:58
